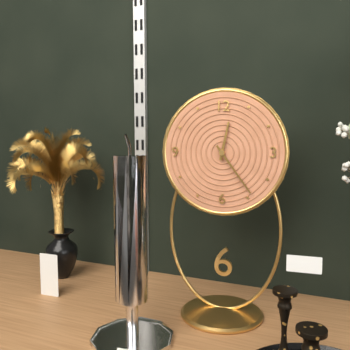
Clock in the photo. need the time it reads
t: 12:24
